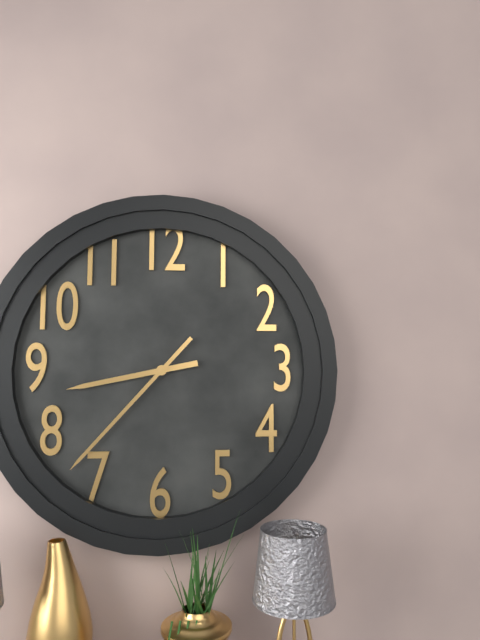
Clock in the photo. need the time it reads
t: 8:37
